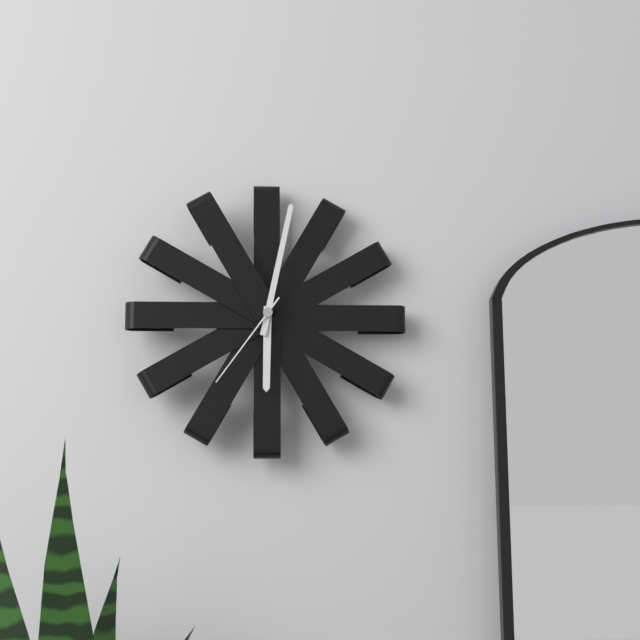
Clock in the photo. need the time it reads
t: 6:02:36
